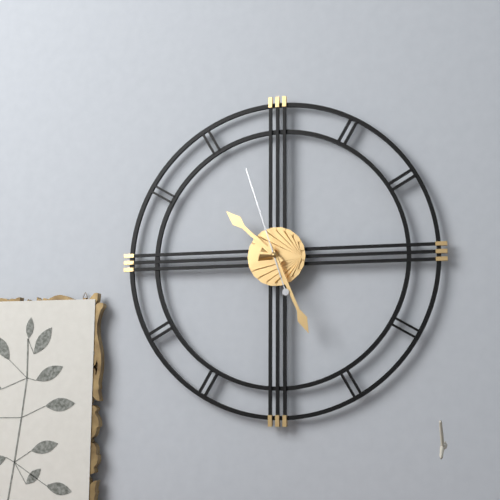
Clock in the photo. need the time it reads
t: 10:26:57
